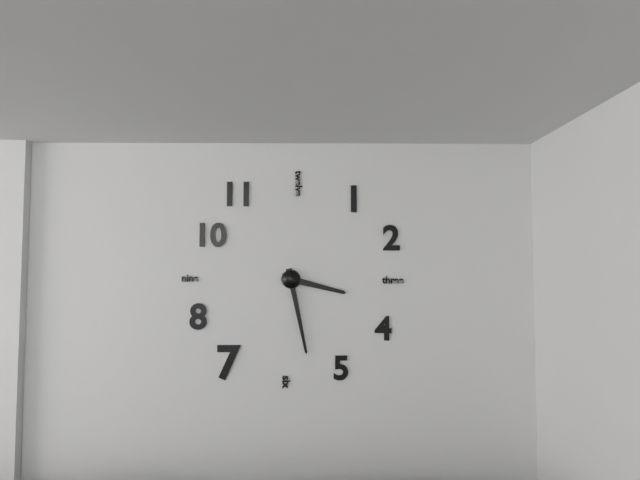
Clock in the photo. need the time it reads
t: 3:28
